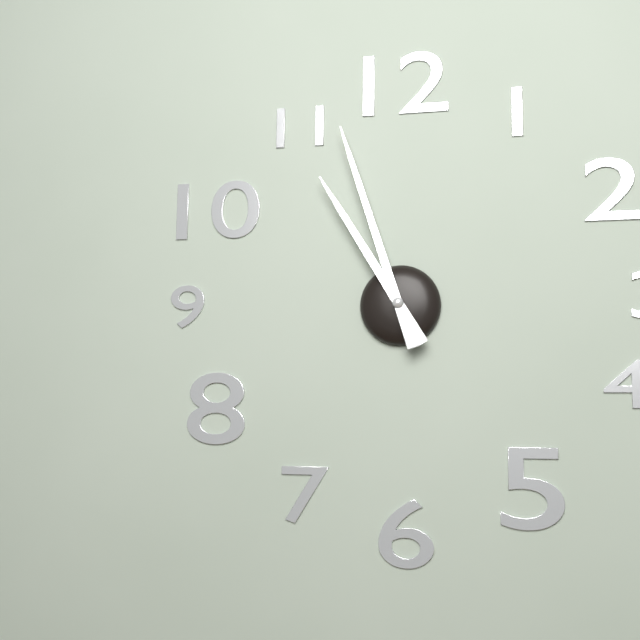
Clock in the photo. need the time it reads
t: 10:57
